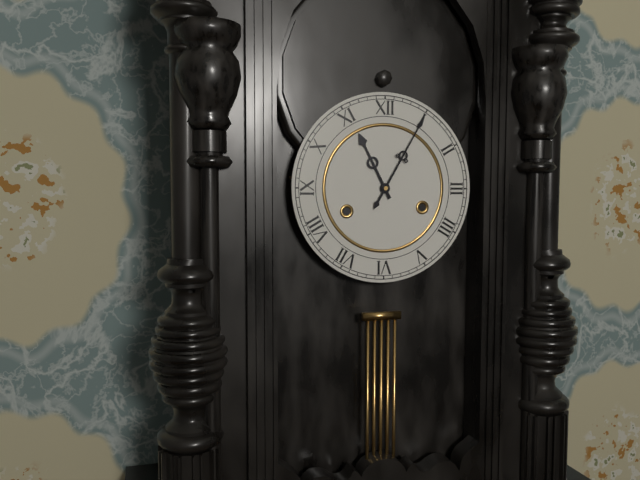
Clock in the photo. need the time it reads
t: 11:05
